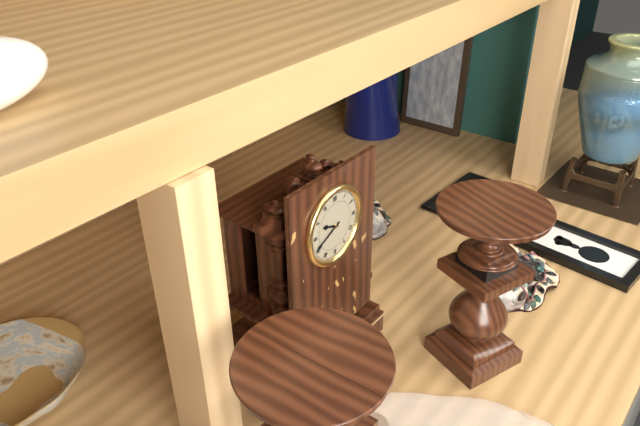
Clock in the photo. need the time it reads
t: 9:41
